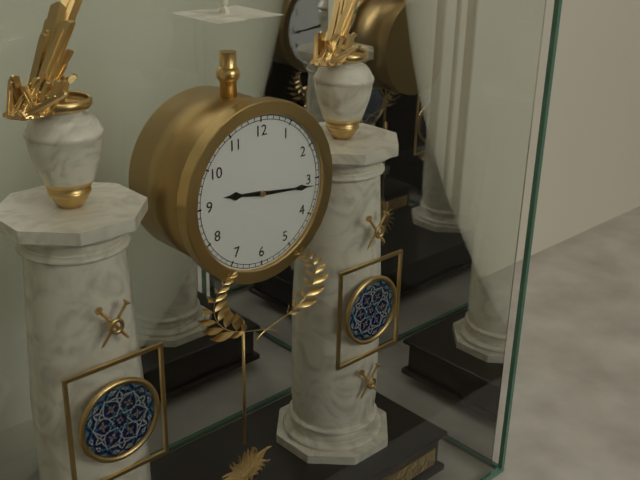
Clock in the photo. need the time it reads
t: 9:16
